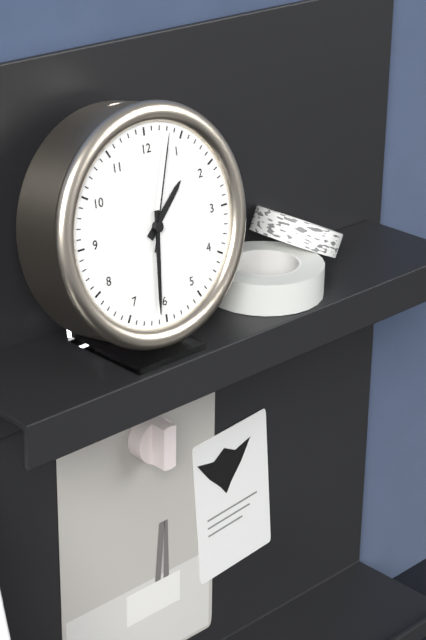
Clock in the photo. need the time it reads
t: 1:31:03
